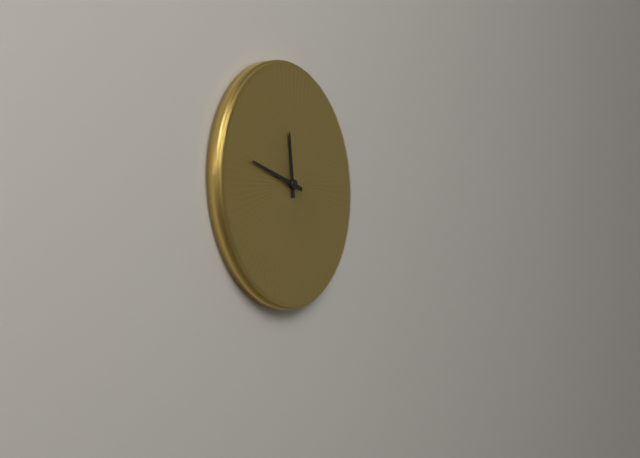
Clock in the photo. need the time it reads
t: 11:47
